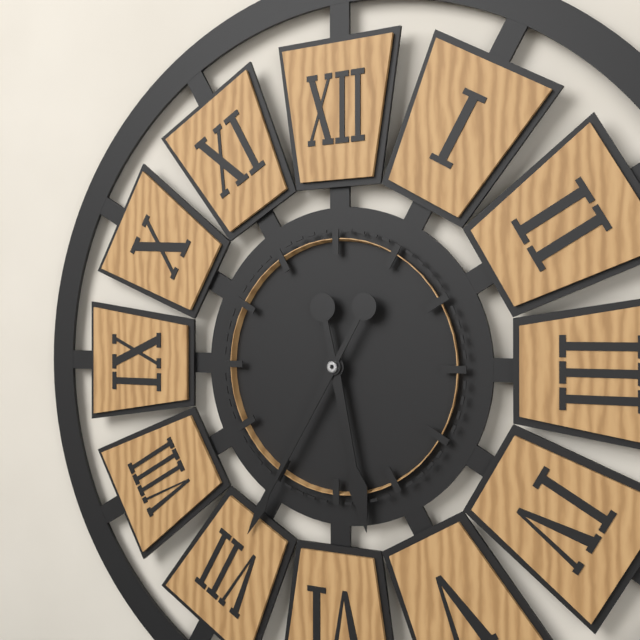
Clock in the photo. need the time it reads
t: 5:35
